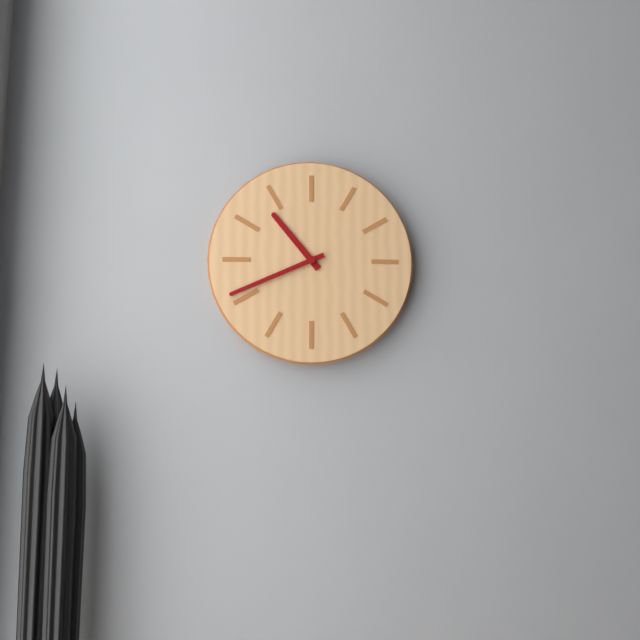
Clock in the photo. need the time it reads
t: 10:41
